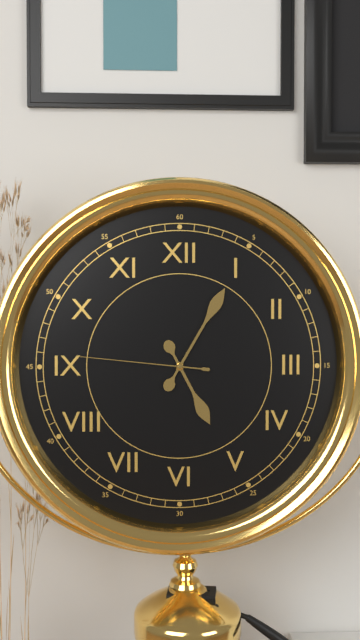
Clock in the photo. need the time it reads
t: 5:05:46
